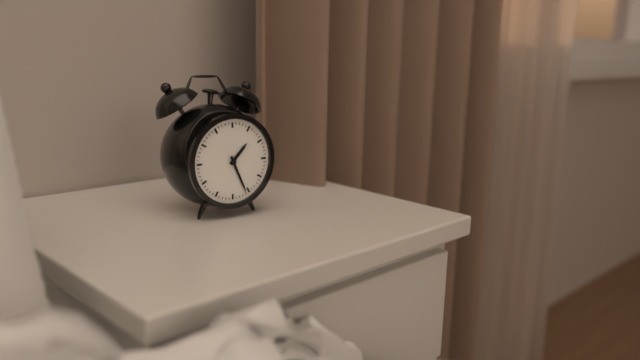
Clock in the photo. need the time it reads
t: 1:26
